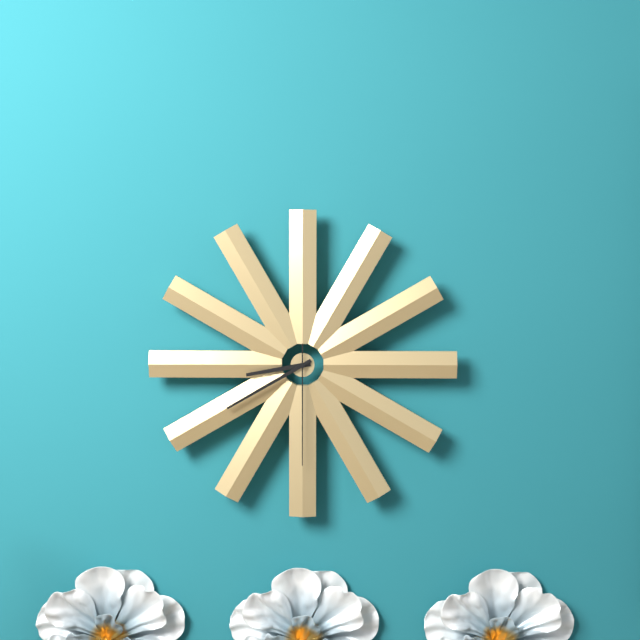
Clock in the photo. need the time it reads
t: 8:40:30
